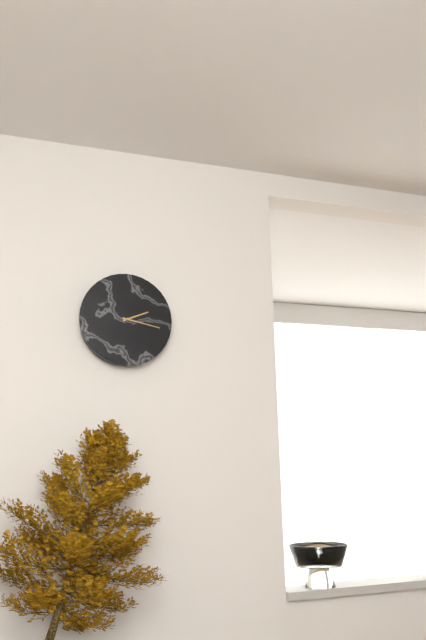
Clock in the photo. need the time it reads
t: 2:17
